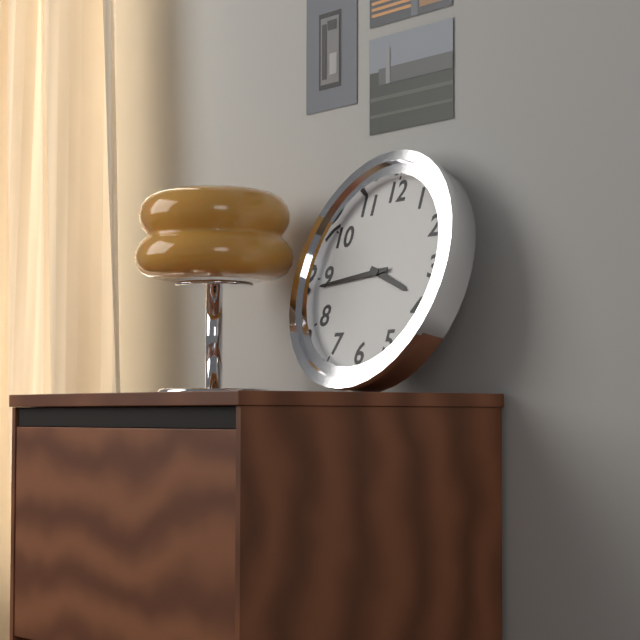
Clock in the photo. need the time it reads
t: 3:44
